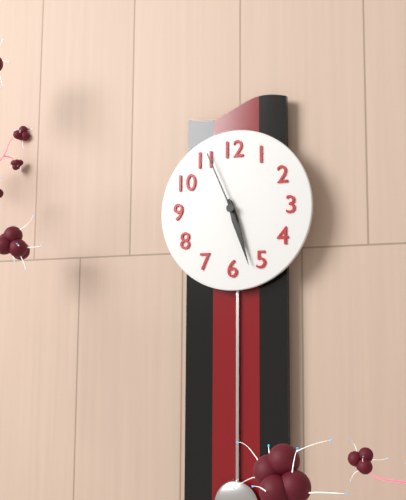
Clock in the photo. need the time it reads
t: 5:27:56
